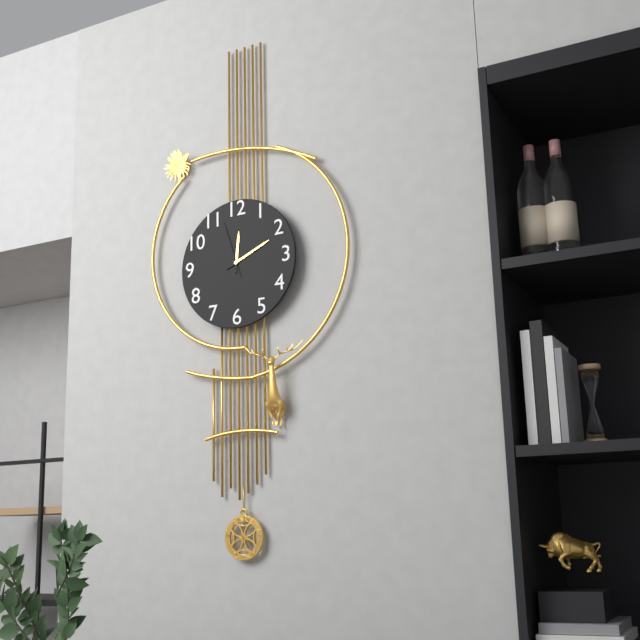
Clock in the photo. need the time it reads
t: 12:11:57
